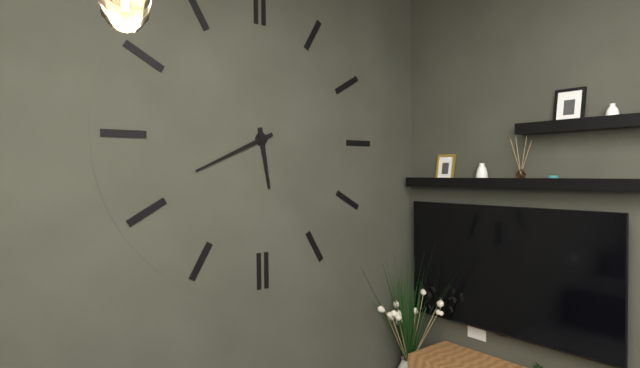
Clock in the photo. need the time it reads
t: 5:41
